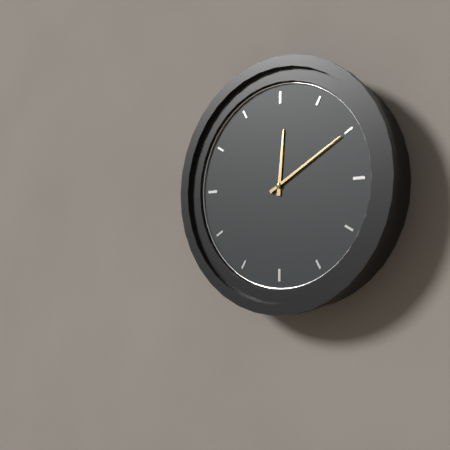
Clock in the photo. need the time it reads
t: 12:10
